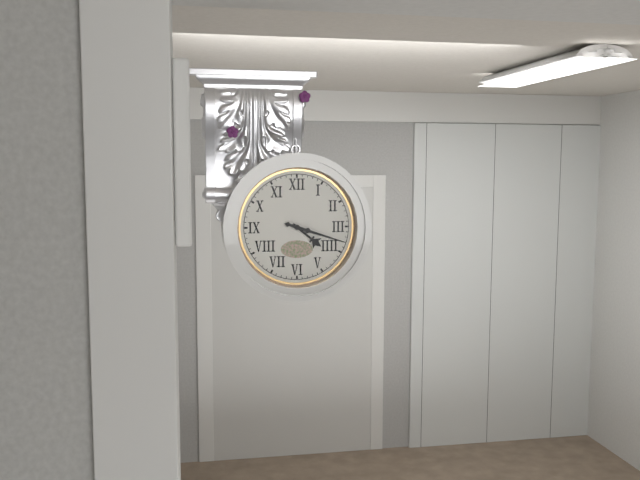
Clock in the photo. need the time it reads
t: 4:18
